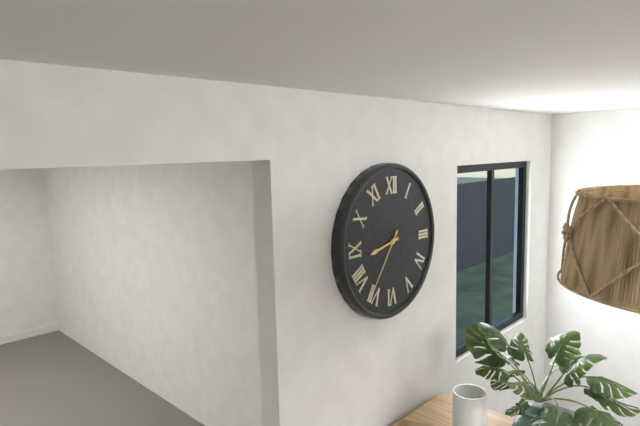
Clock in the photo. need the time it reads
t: 8:36
